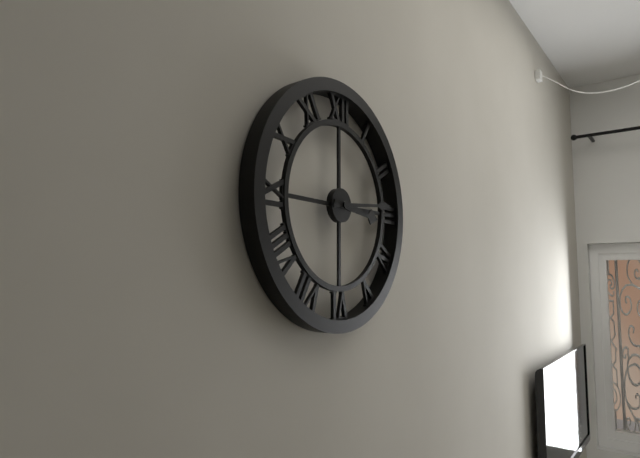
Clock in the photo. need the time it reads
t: 3:14
